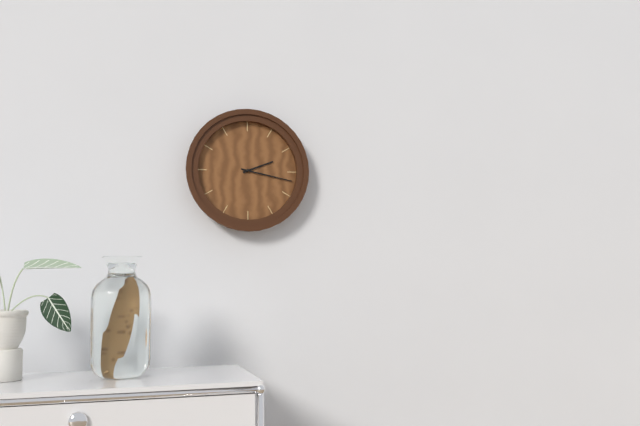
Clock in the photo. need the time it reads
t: 2:17
